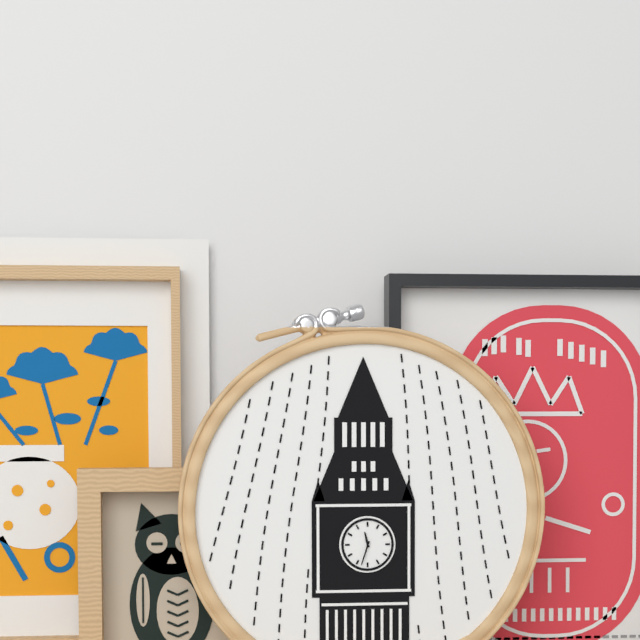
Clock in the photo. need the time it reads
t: 11:33
